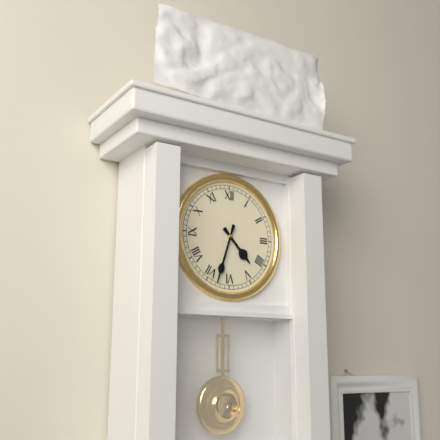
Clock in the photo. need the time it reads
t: 4:33
